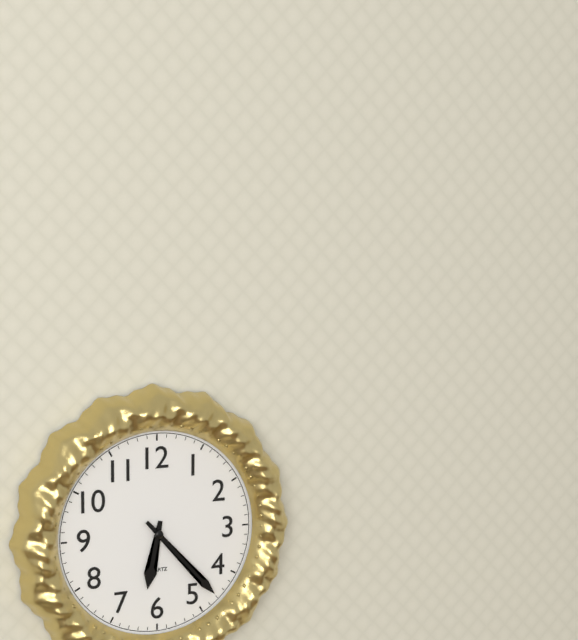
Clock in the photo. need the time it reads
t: 6:23
